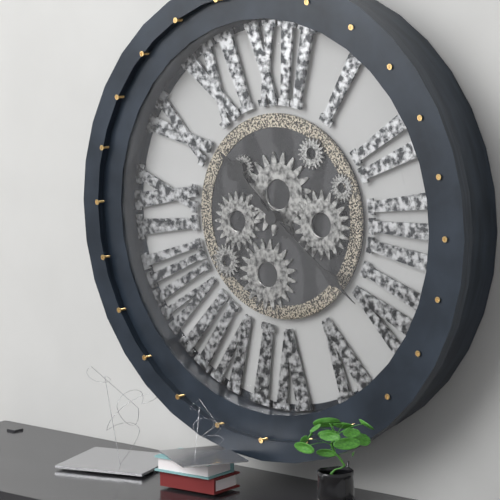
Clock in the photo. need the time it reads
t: 10:21
